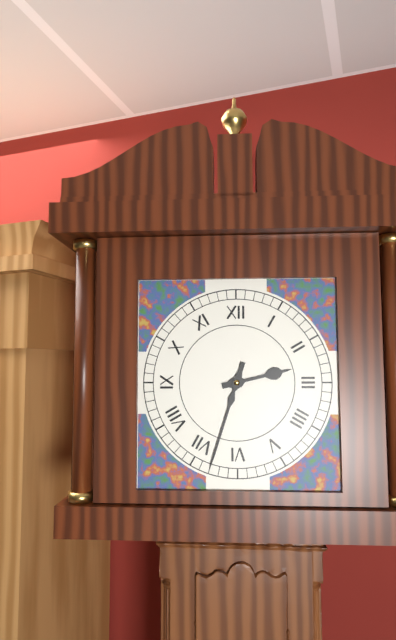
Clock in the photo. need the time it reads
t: 2:33
